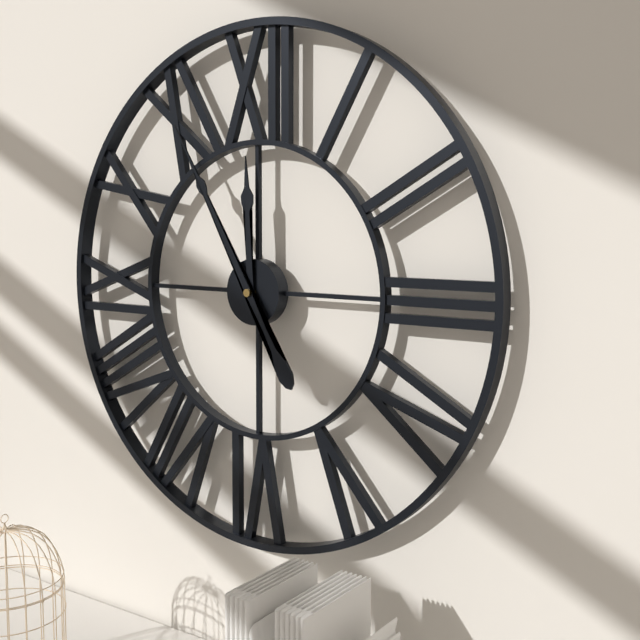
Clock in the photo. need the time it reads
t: 11:55
